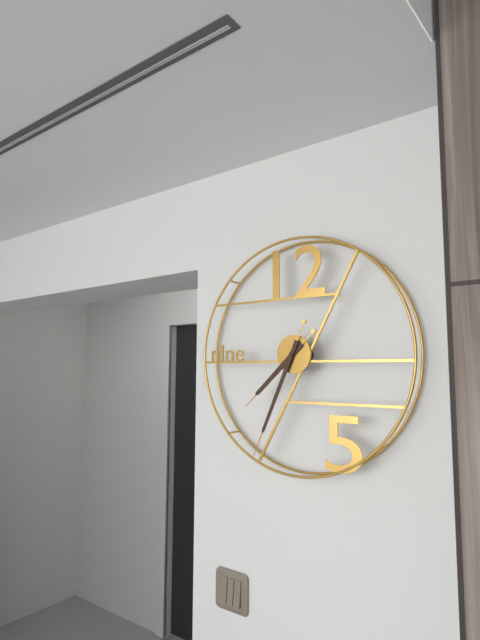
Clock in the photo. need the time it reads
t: 7:34
